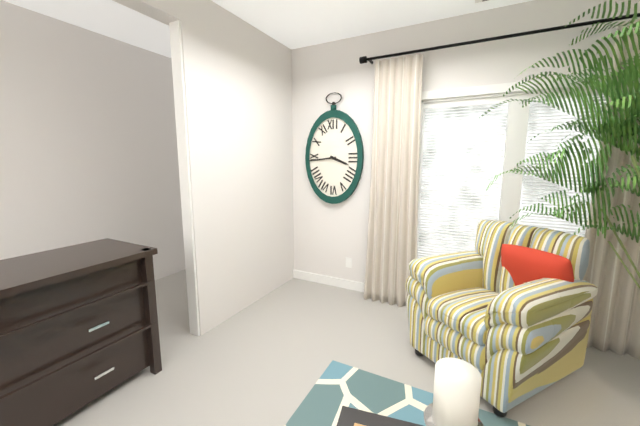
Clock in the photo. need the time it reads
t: 3:44
